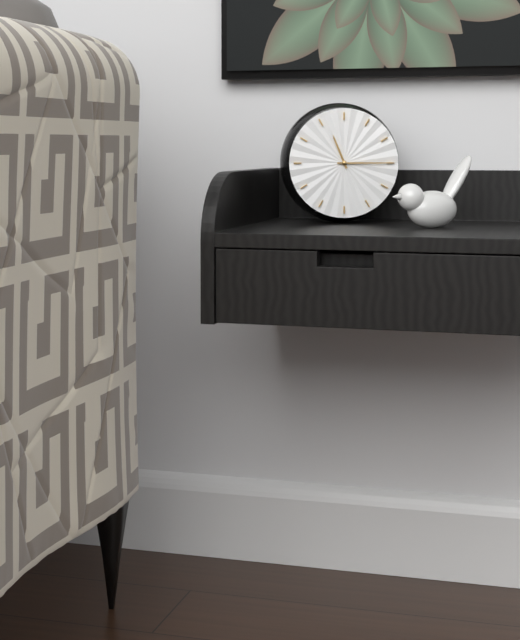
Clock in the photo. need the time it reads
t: 11:15
